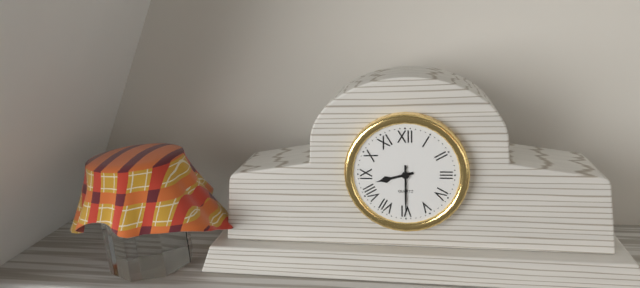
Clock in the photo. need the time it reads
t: 8:30
